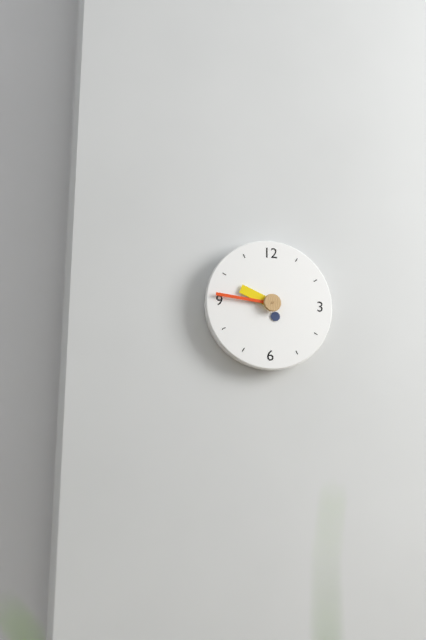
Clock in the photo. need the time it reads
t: 9:46
